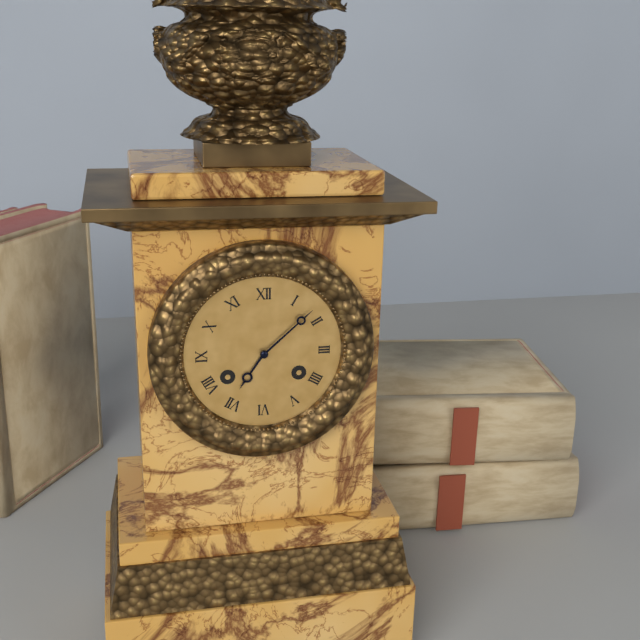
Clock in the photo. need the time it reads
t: 7:08
